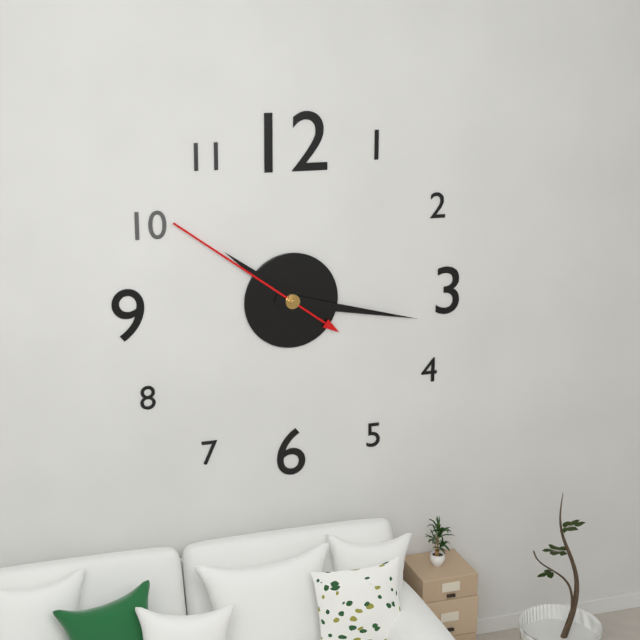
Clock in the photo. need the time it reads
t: 10:17:51
